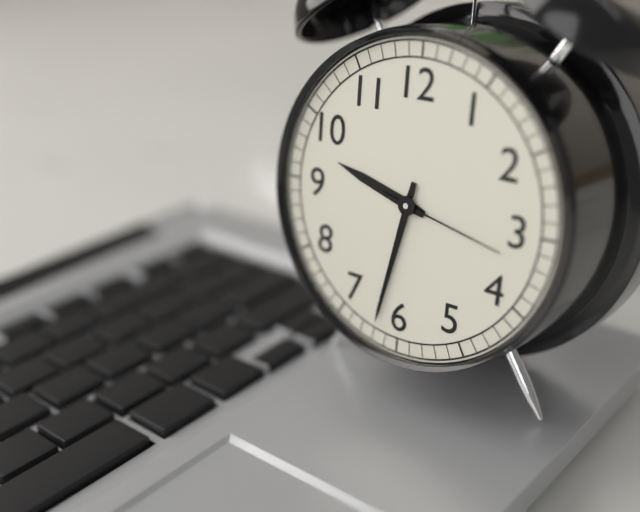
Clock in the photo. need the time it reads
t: 9:32:17
